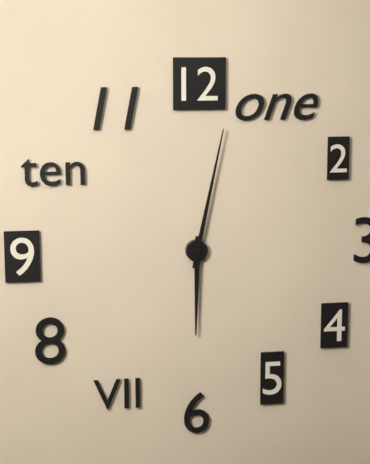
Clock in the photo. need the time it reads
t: 6:02
